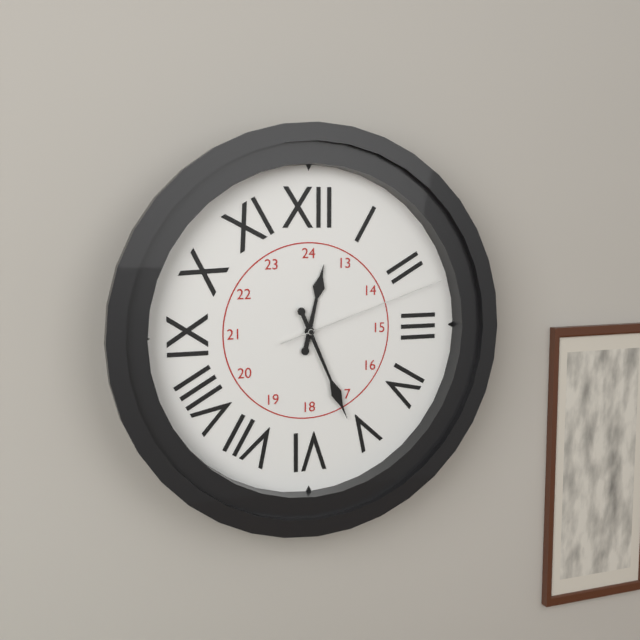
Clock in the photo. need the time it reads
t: 12:26:12
